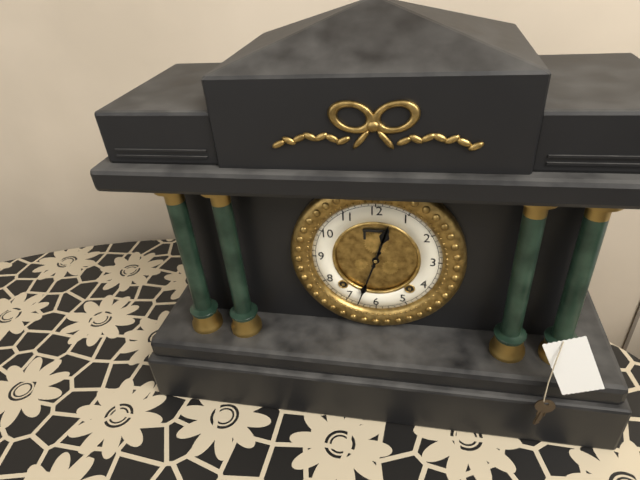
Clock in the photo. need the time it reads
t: 12:33
